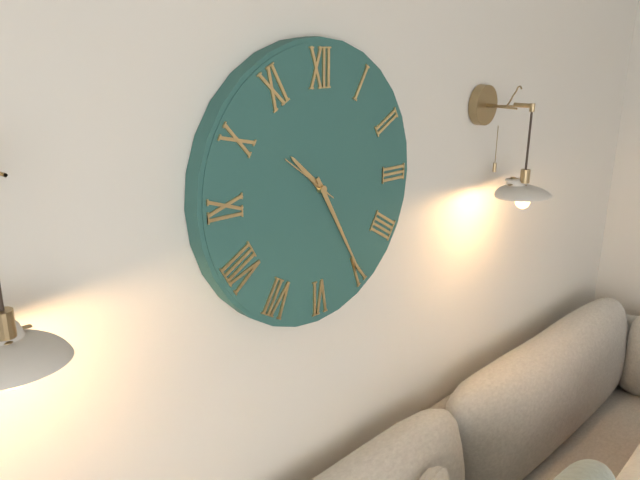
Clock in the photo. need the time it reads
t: 10:25
